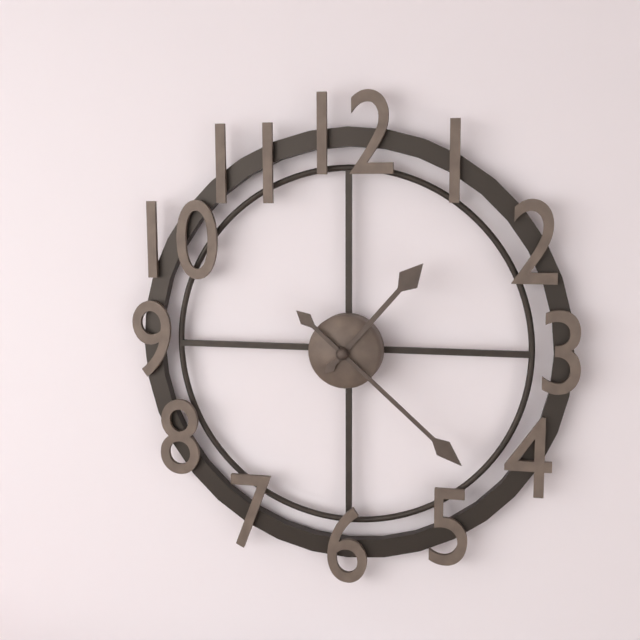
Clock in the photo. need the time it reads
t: 1:22
